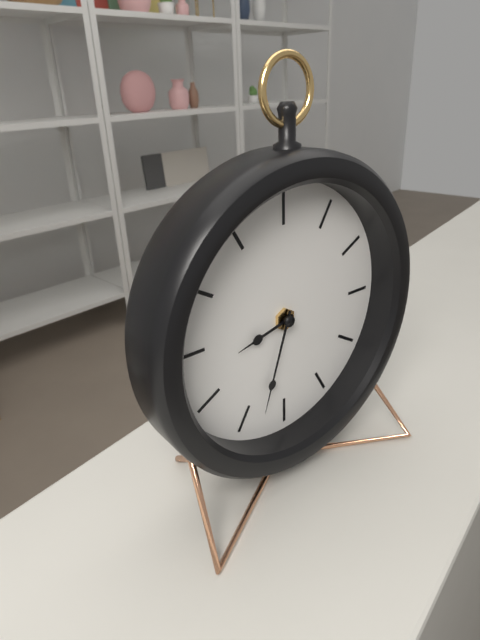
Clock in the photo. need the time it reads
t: 8:33
